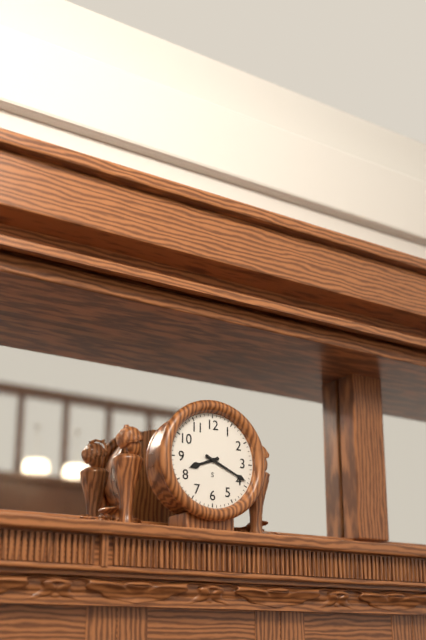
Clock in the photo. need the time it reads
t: 8:19
